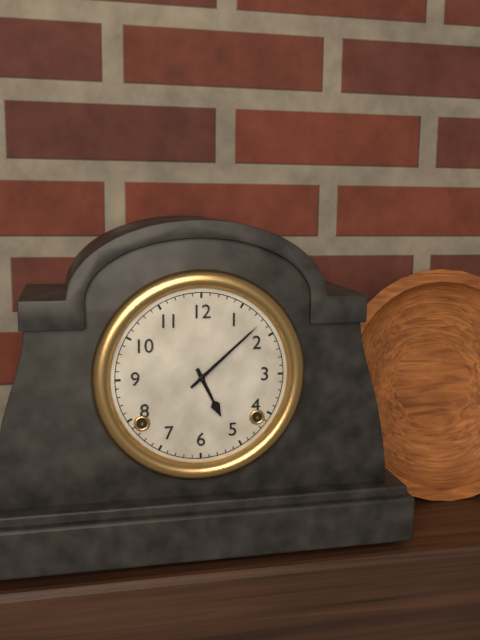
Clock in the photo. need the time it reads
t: 5:08
